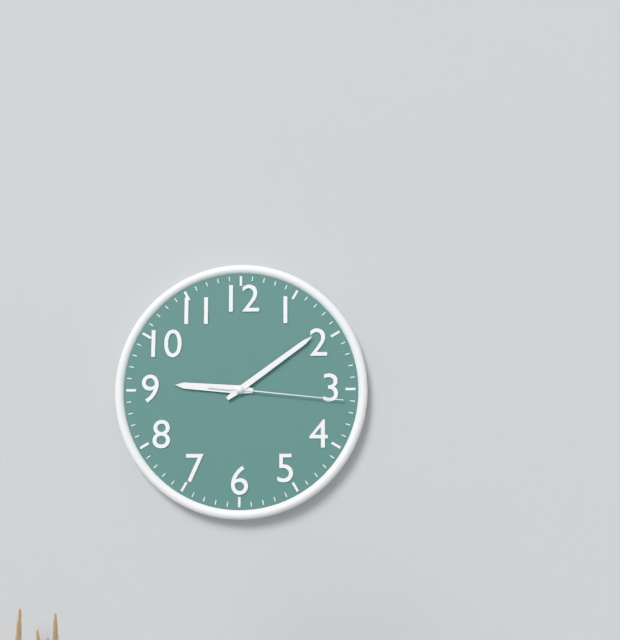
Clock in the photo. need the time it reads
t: 9:09:16
